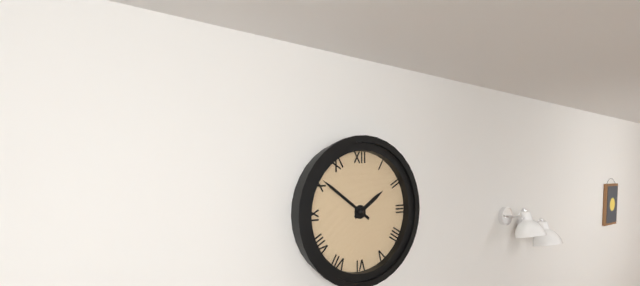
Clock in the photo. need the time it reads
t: 1:51
